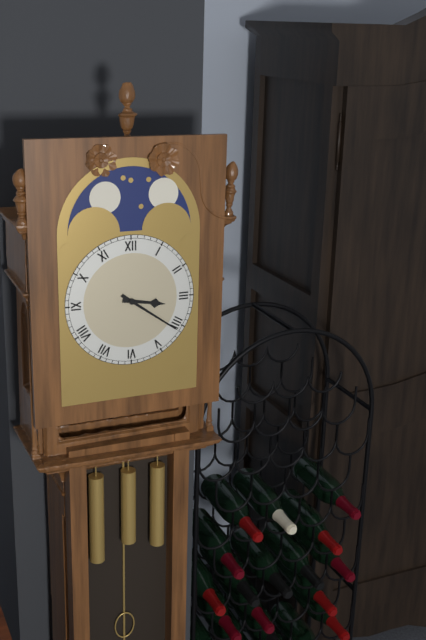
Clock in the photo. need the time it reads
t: 3:21
